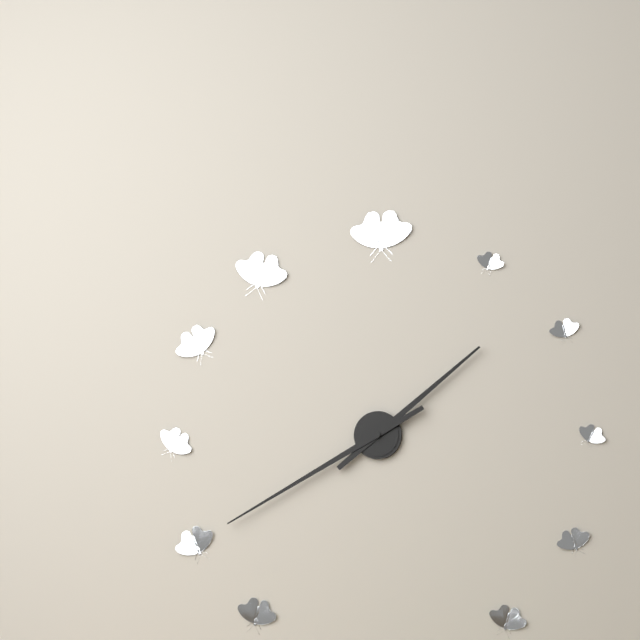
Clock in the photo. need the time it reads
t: 1:40
